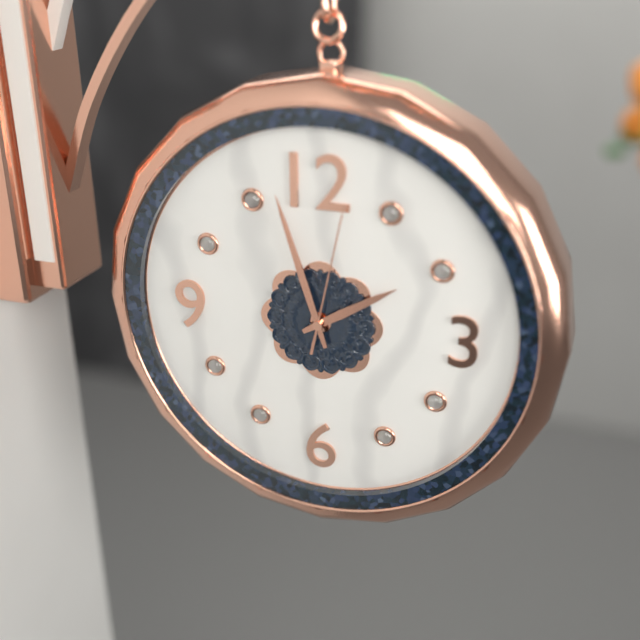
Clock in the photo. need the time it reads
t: 1:57:02
